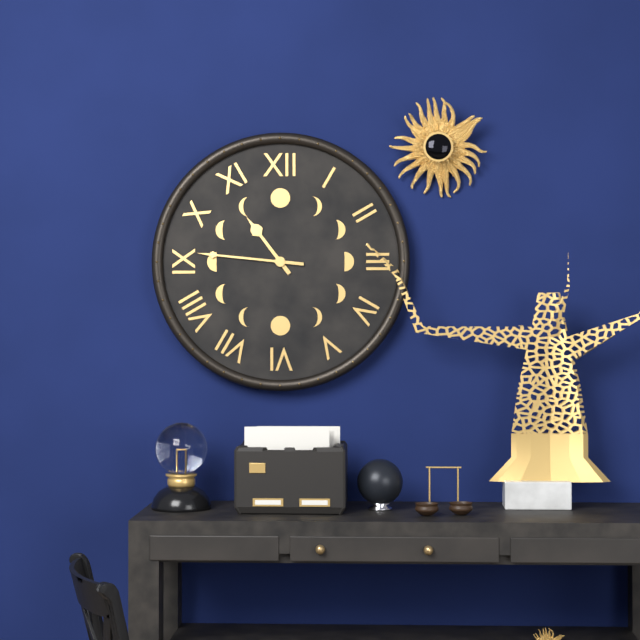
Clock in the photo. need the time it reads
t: 10:46
